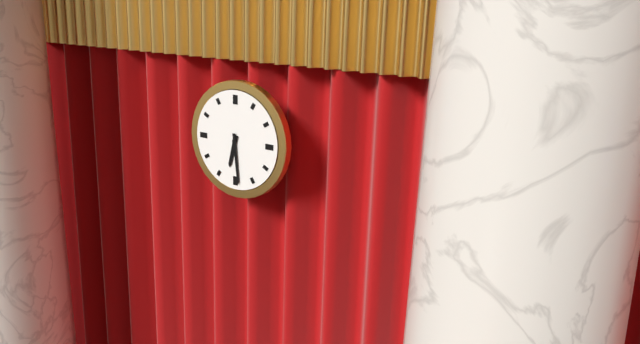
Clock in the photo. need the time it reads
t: 6:29
